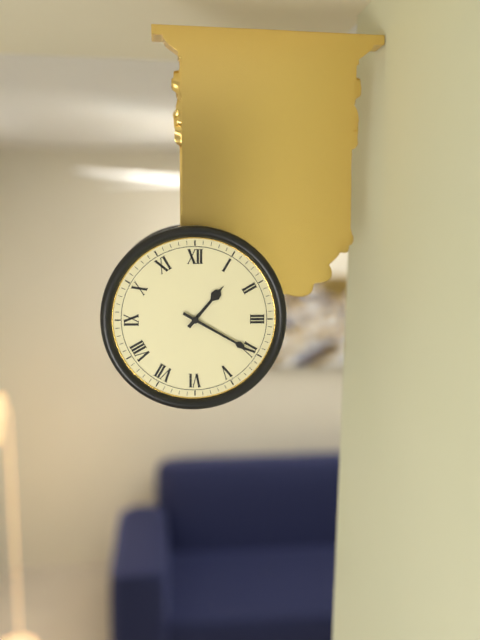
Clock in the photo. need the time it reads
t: 1:20
